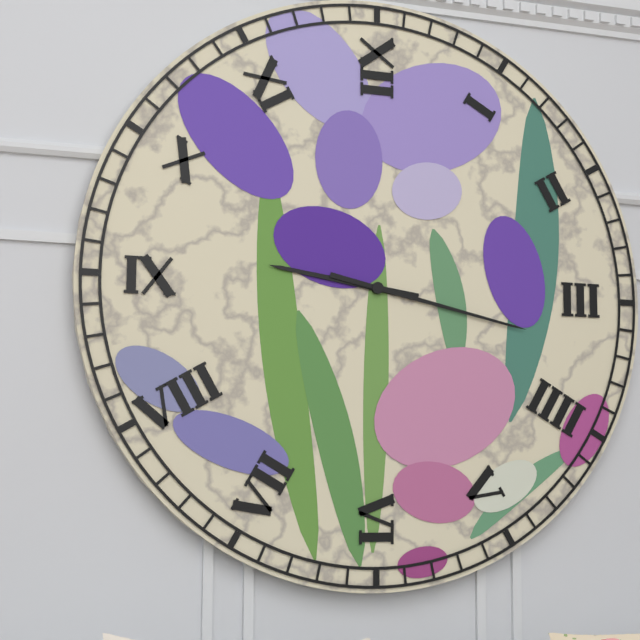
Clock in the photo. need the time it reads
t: 9:17
